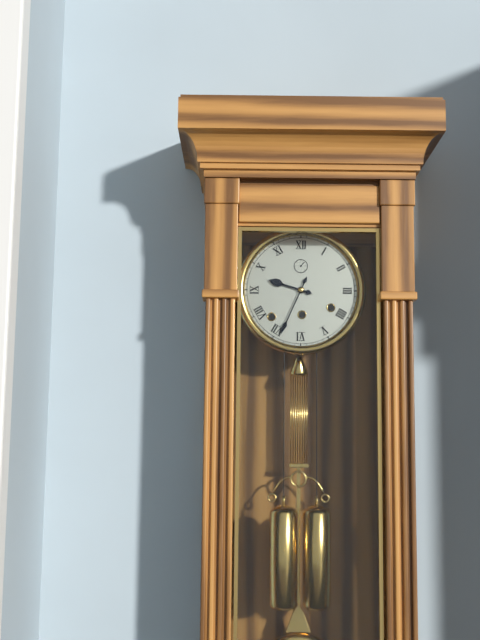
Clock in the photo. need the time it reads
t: 9:34
